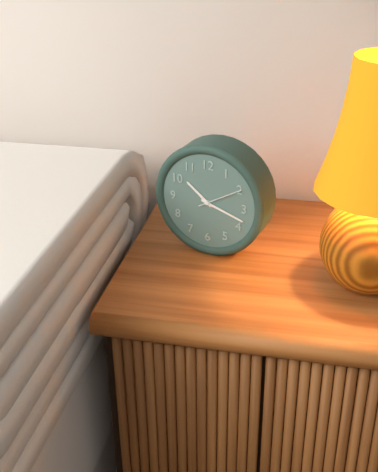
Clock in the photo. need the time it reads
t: 10:18
